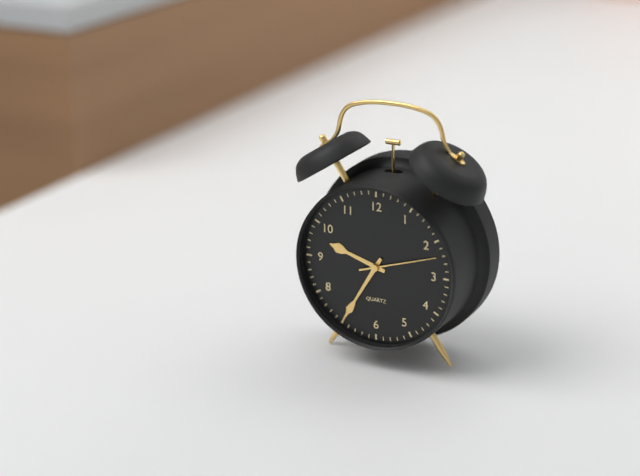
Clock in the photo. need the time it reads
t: 9:35:12
